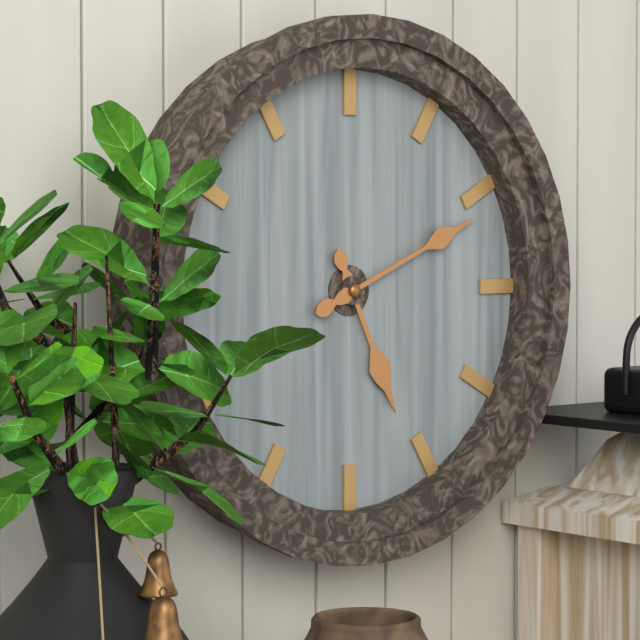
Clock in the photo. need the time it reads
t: 5:11
